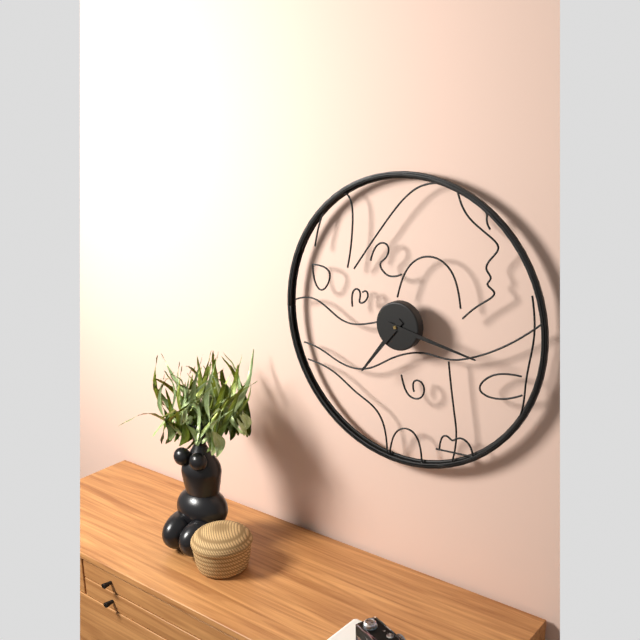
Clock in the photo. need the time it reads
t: 7:17
